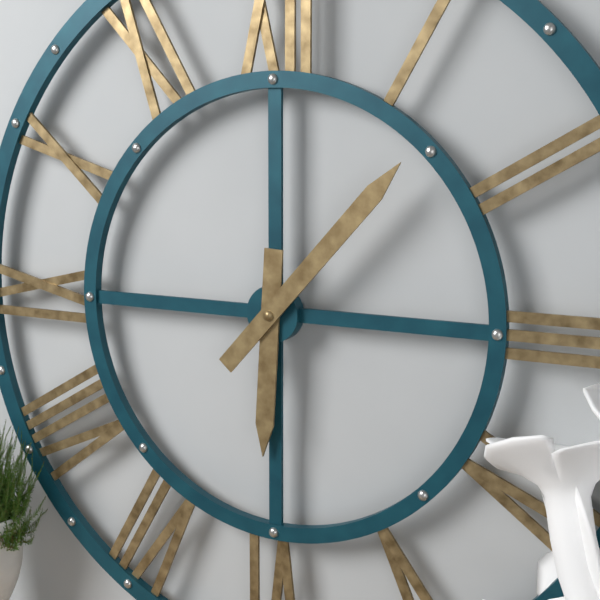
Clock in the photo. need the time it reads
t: 6:07
